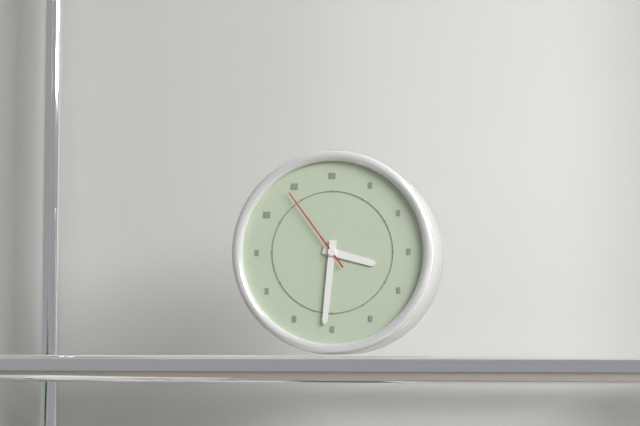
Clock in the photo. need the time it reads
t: 3:31:54
